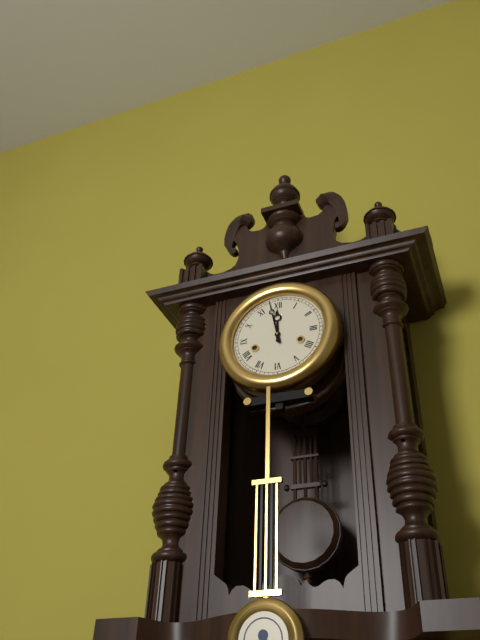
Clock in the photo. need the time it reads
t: 11:58
